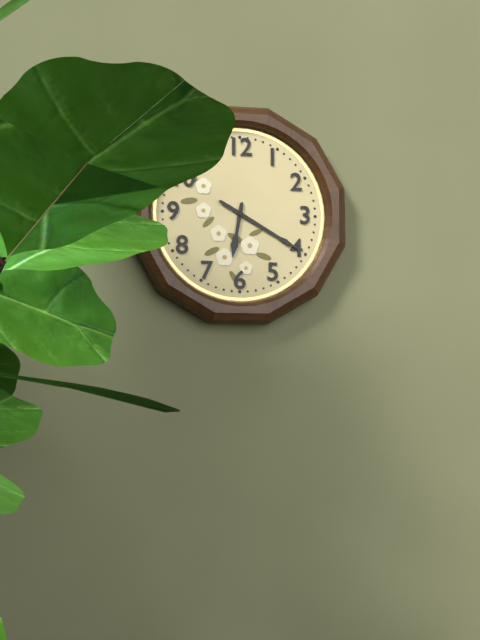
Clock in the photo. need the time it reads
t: 6:20
